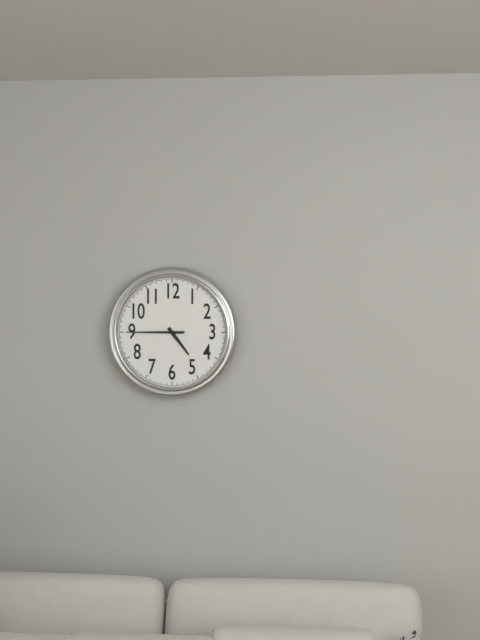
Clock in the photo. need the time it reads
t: 4:45
